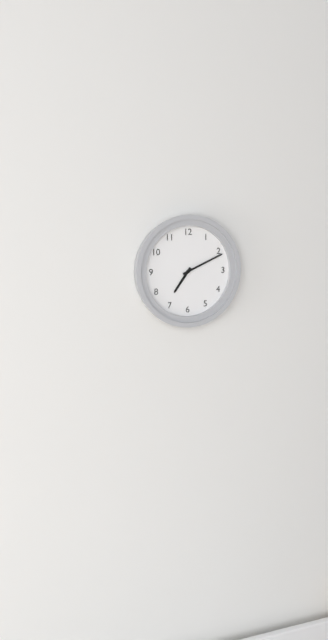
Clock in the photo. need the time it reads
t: 7:11
